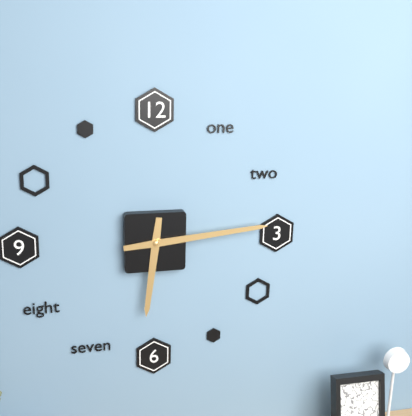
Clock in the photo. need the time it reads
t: 6:14
